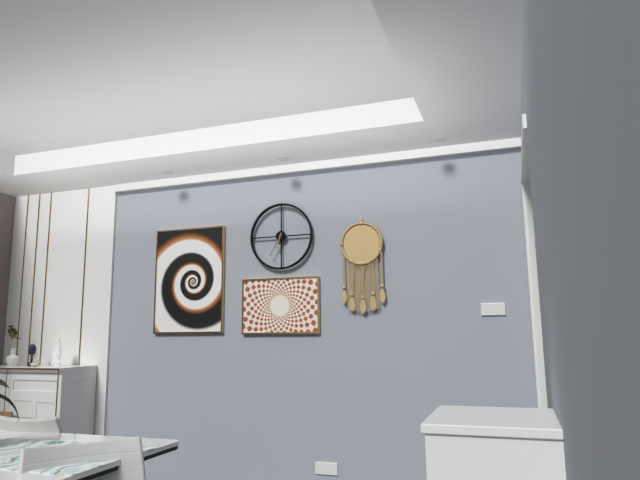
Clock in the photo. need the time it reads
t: 6:35
